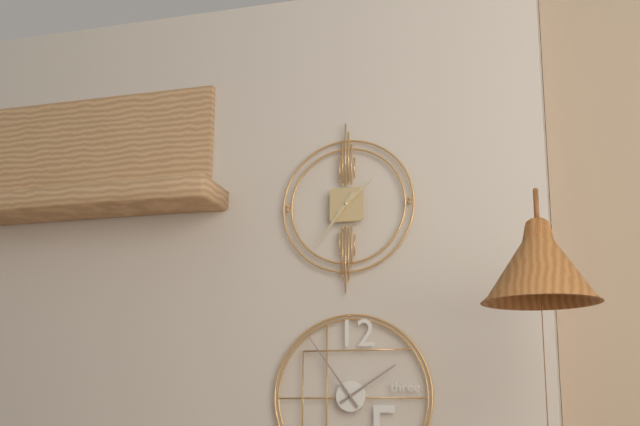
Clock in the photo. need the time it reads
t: 1:36
